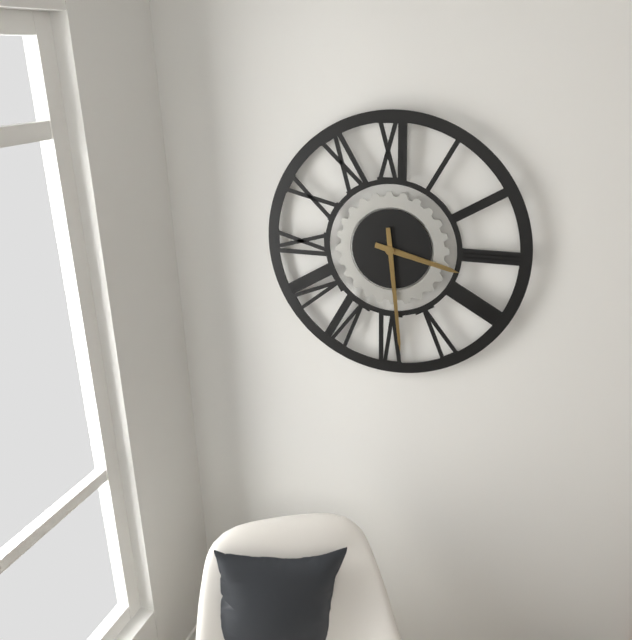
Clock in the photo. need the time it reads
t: 3:29
